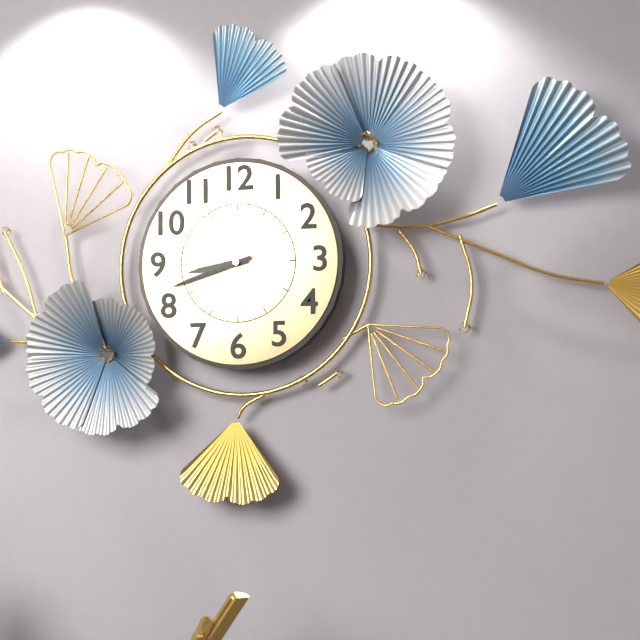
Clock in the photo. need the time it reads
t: 8:42:42
